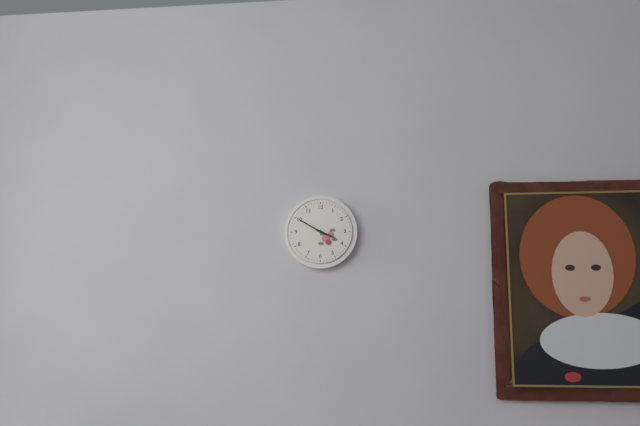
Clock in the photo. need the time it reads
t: 3:50
